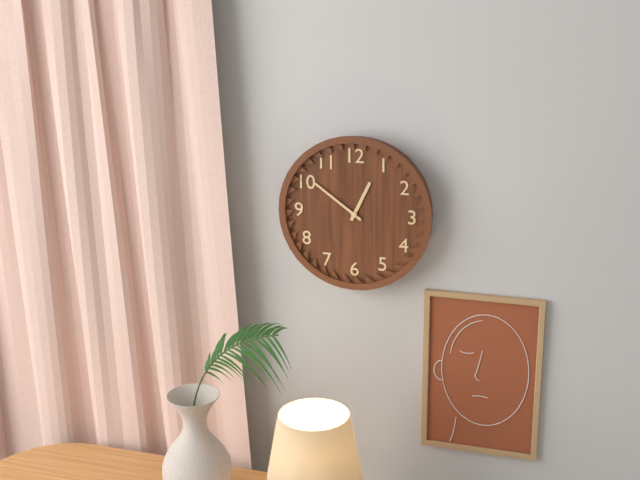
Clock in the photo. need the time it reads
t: 12:51
